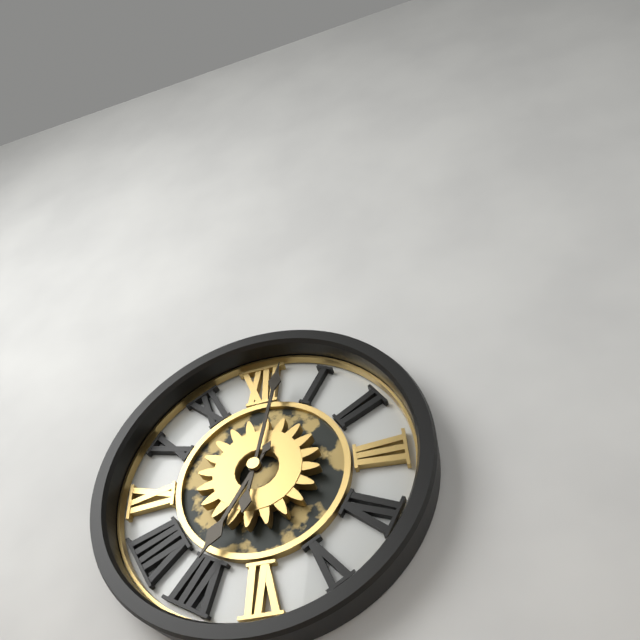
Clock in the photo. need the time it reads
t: 7:02
